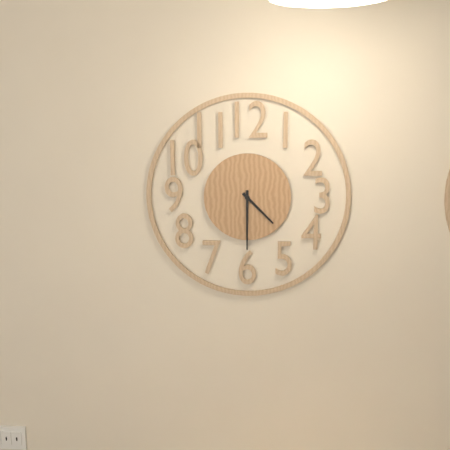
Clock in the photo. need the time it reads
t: 4:30
